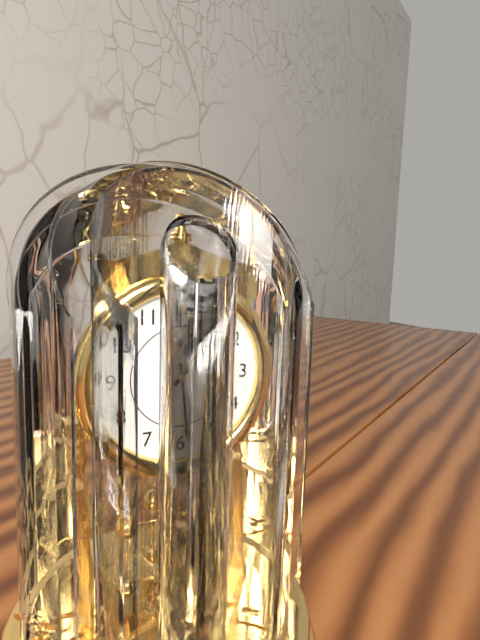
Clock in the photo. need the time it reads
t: 1:29
